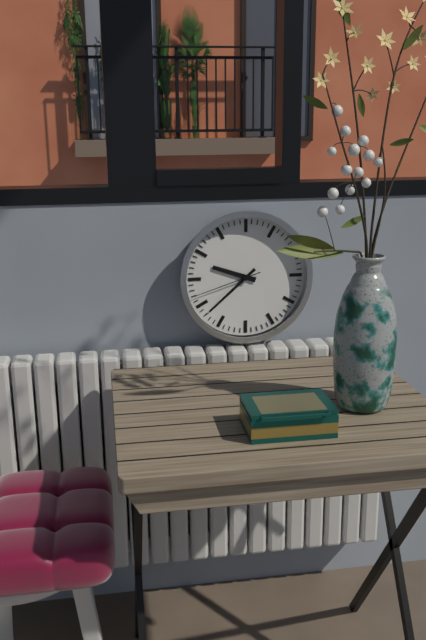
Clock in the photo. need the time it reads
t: 9:38:42
